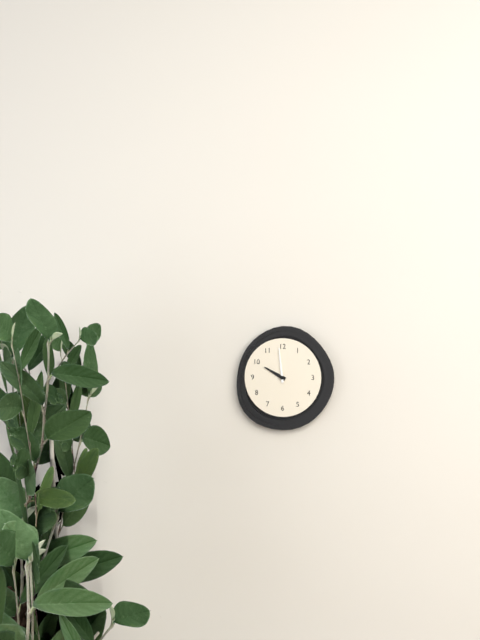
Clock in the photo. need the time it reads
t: 9:59
